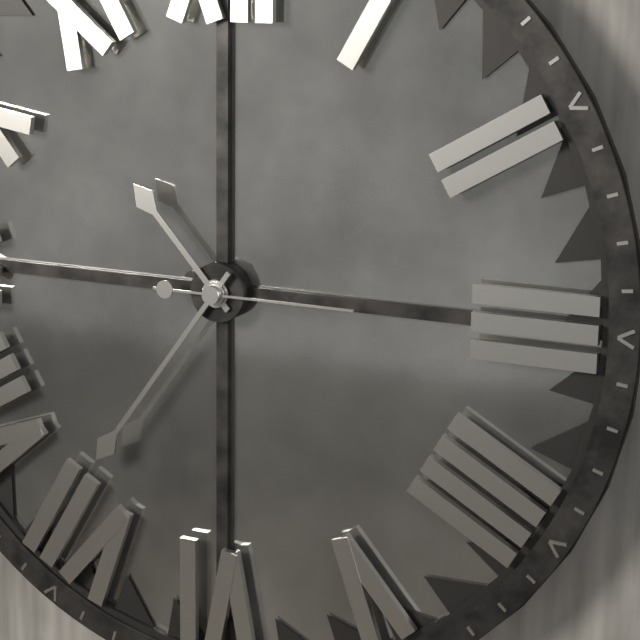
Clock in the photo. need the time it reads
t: 10:36:15
